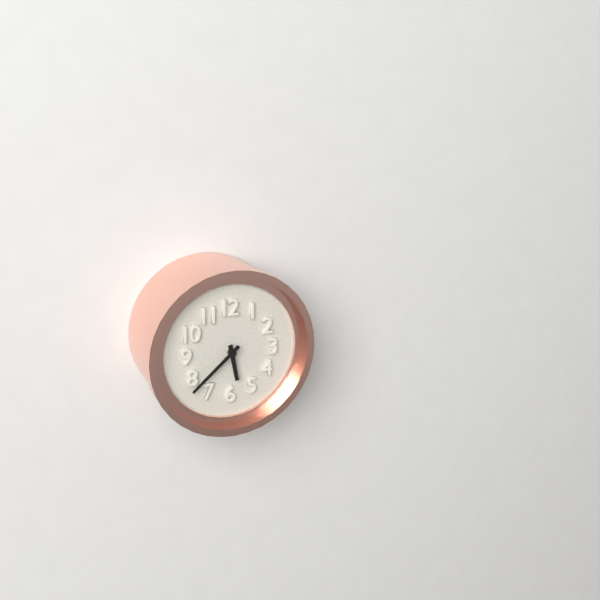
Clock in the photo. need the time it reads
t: 5:38
